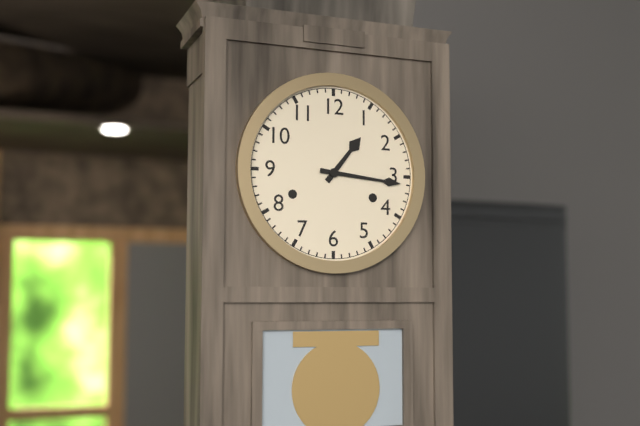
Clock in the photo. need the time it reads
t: 1:16
